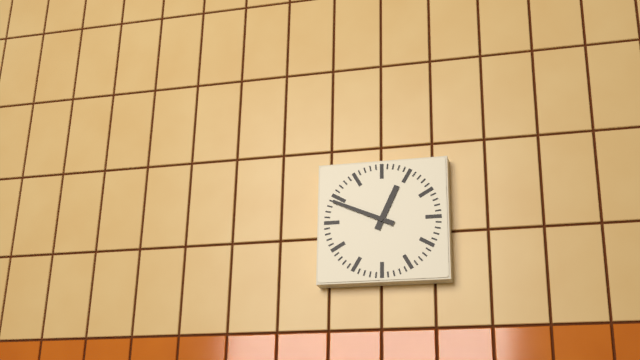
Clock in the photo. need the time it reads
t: 12:49
